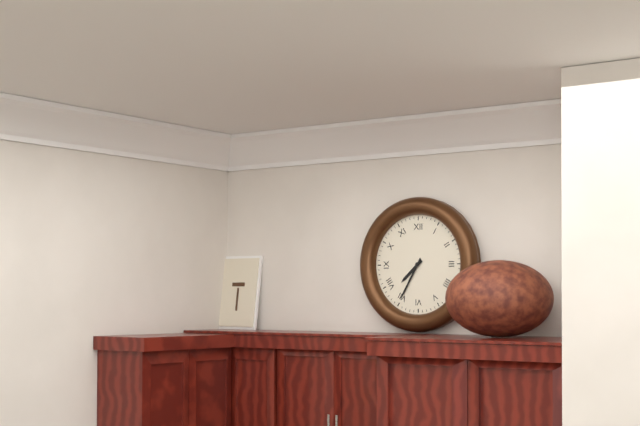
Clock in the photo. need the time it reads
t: 7:35
